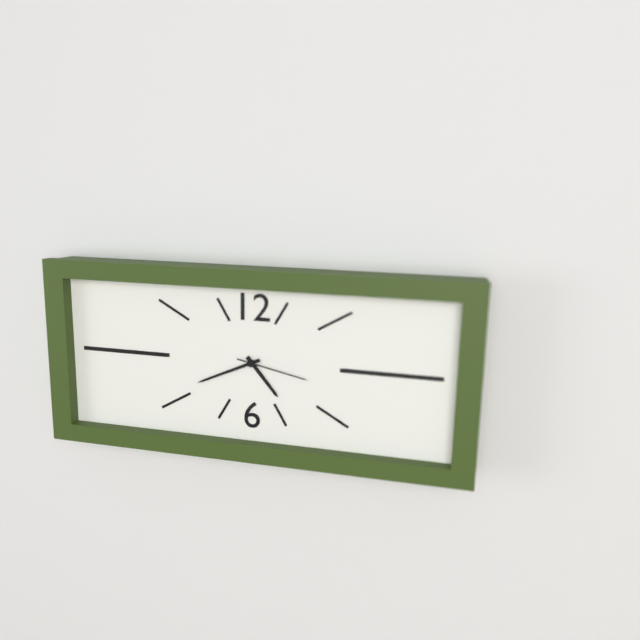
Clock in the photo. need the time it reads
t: 4:41:17
